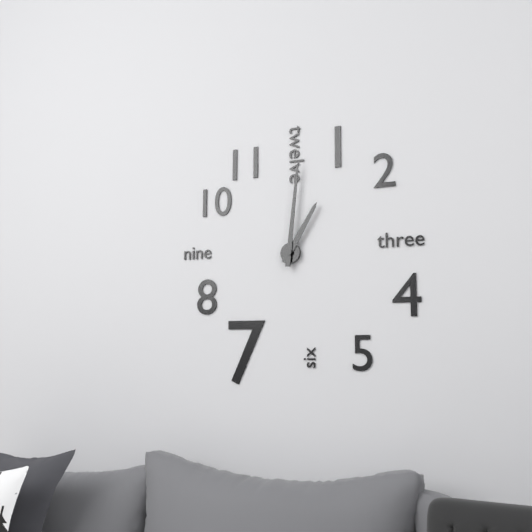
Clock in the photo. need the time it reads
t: 1:01
